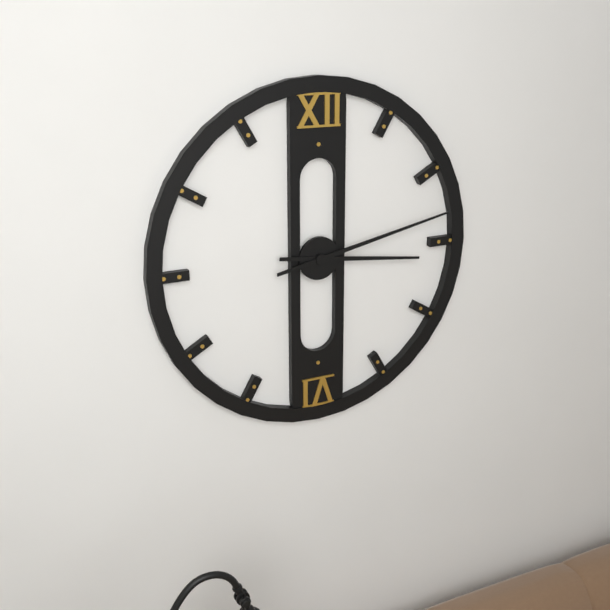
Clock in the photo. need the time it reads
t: 3:13
